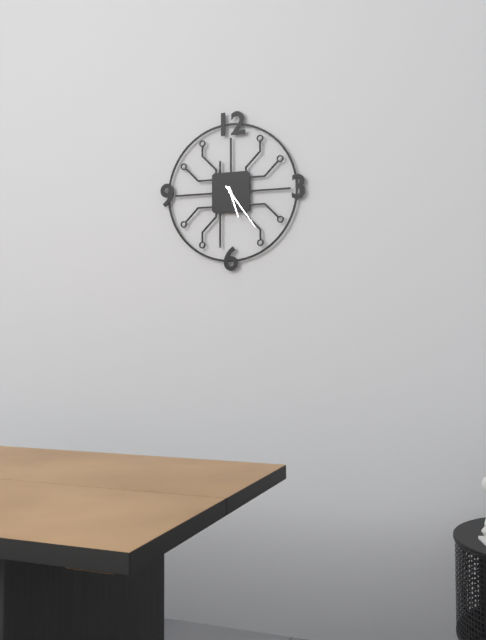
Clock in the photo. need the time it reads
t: 5:24
